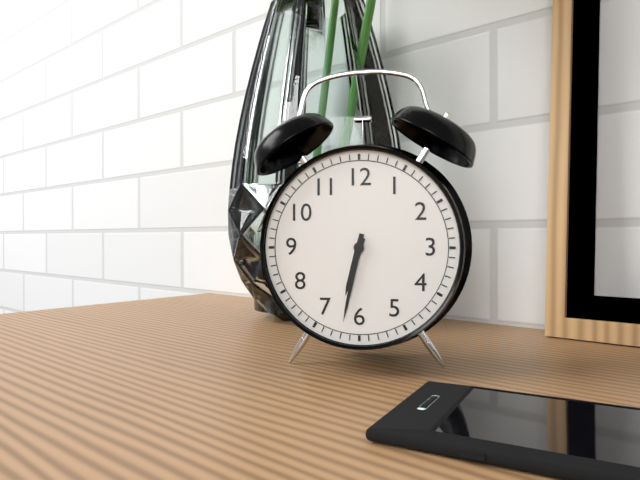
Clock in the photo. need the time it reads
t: 6:32
